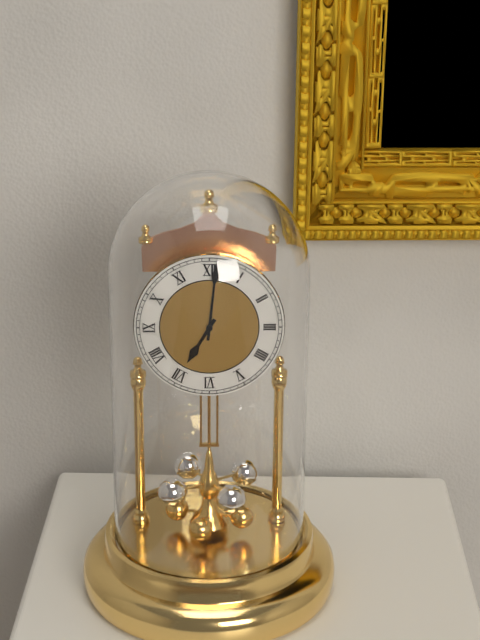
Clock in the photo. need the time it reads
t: 7:01
